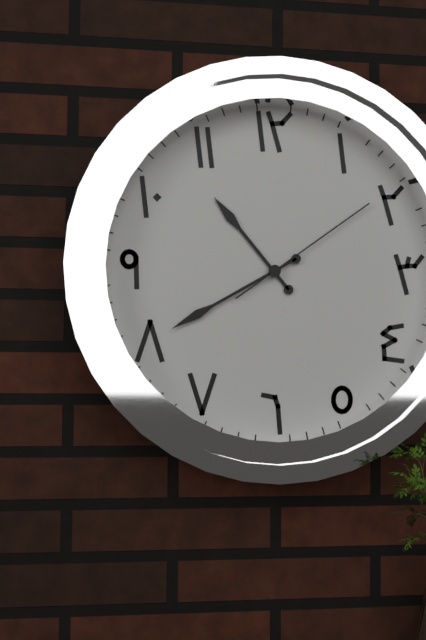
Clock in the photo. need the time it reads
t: 10:40:09
